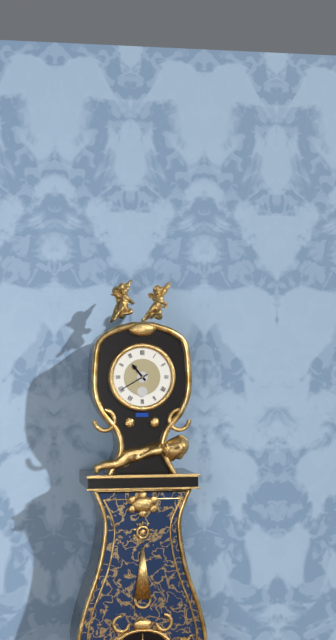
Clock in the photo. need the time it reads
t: 10:40
